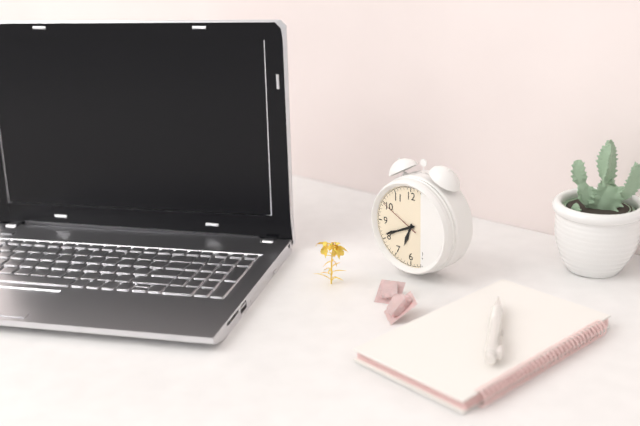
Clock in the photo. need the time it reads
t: 6:41
